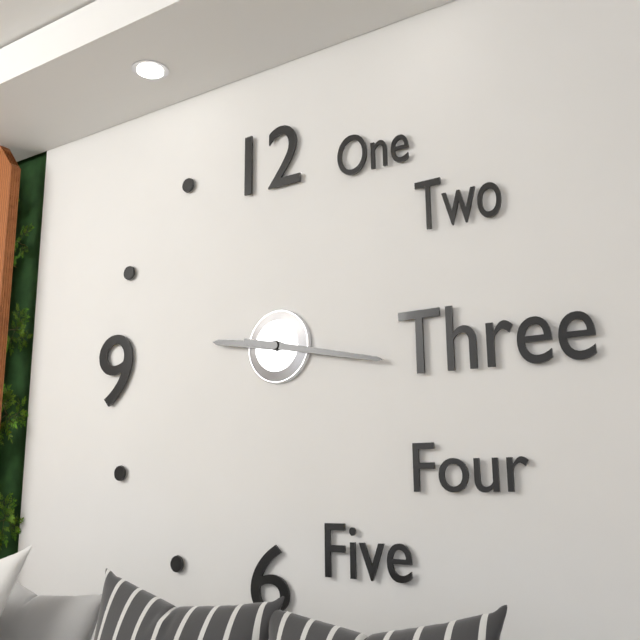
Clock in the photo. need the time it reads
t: 9:17
